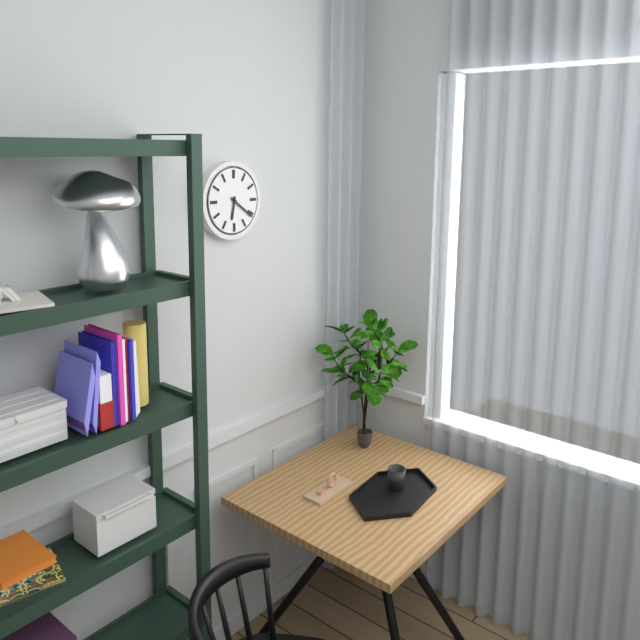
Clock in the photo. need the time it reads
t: 6:21
